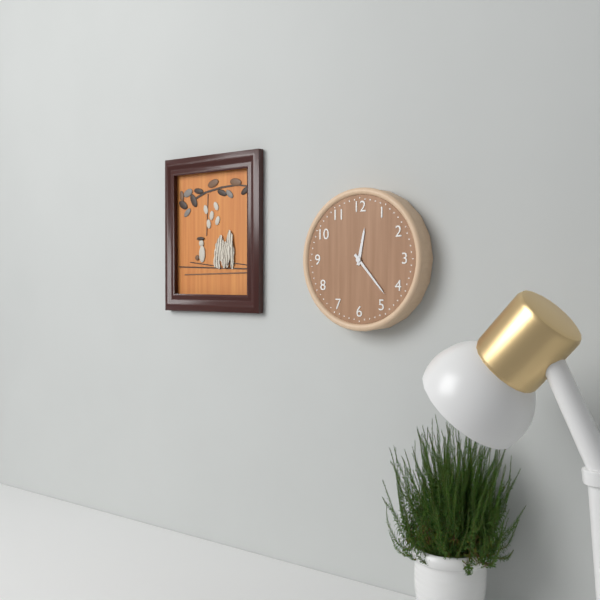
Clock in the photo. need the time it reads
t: 12:23
